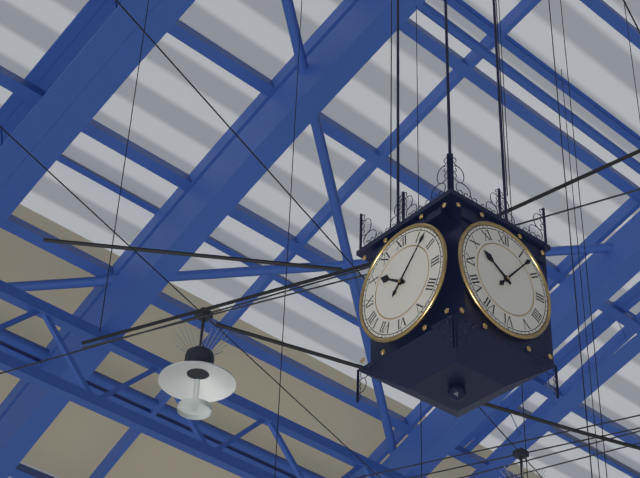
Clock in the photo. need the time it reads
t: 10:07
